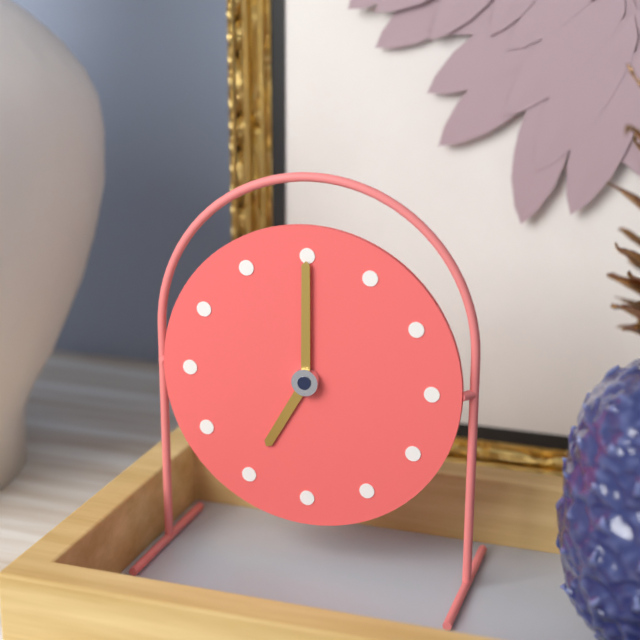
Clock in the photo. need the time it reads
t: 7:00
